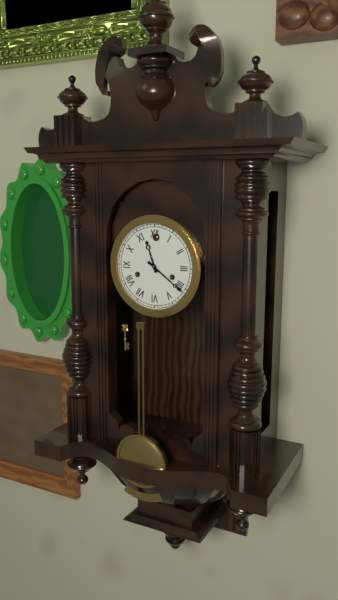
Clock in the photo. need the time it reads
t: 11:21
